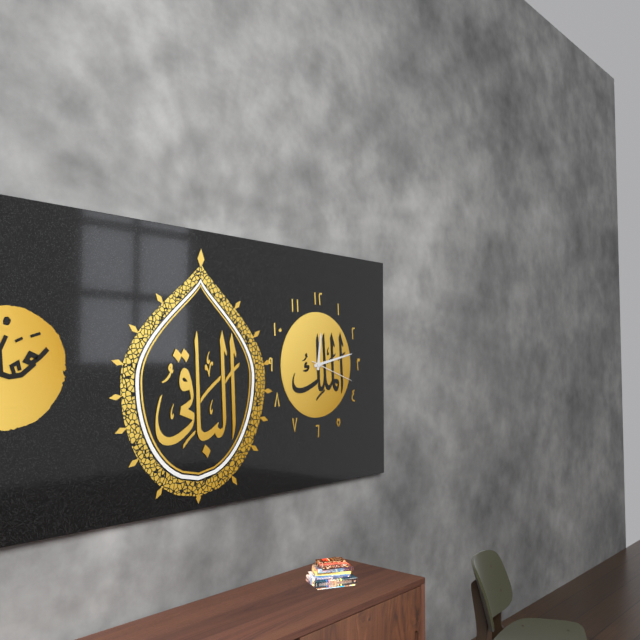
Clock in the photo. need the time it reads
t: 12:13
